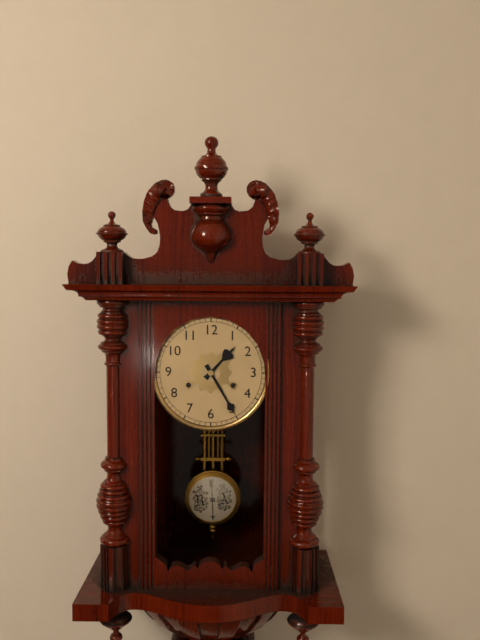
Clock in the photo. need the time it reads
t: 1:25
